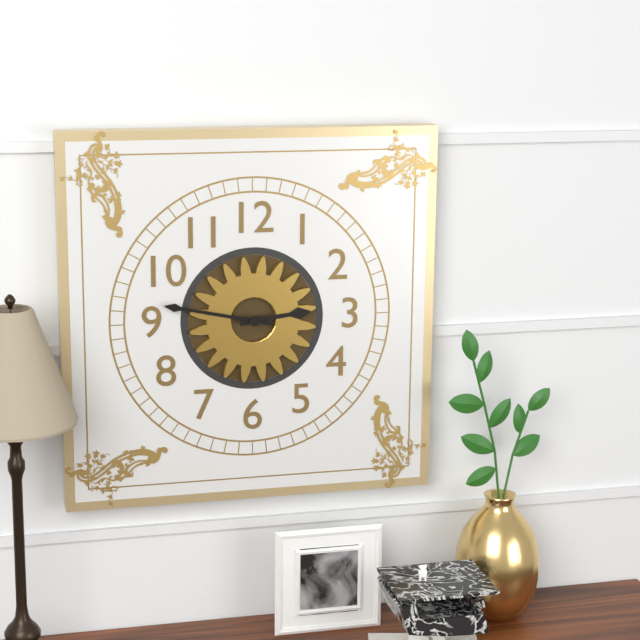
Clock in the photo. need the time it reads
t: 2:47
